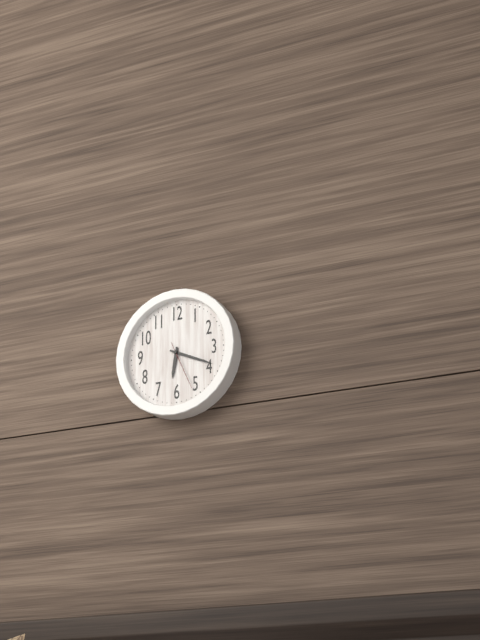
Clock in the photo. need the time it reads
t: 6:19:26
